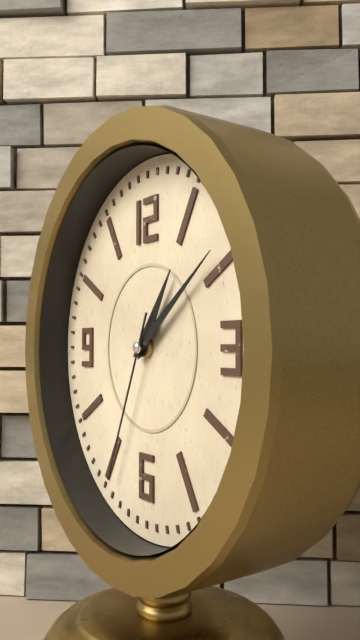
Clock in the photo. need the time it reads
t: 1:09:34
